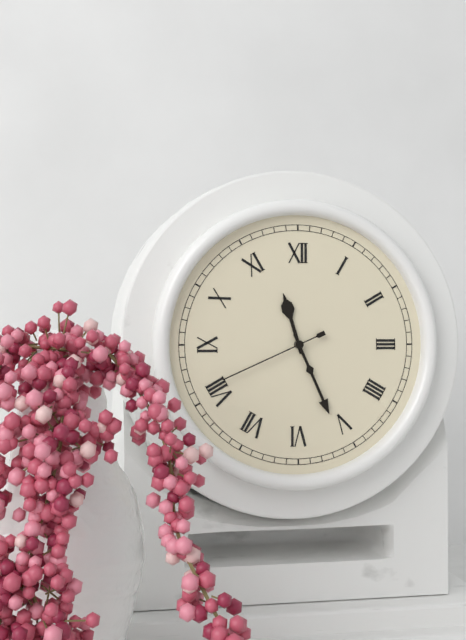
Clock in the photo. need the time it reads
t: 11:26:41
